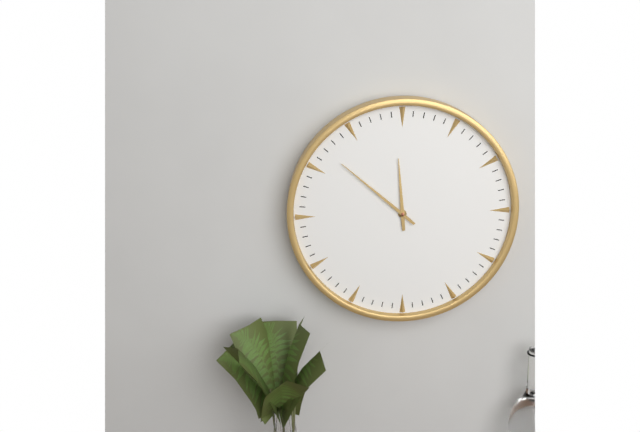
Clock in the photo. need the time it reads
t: 11:52
